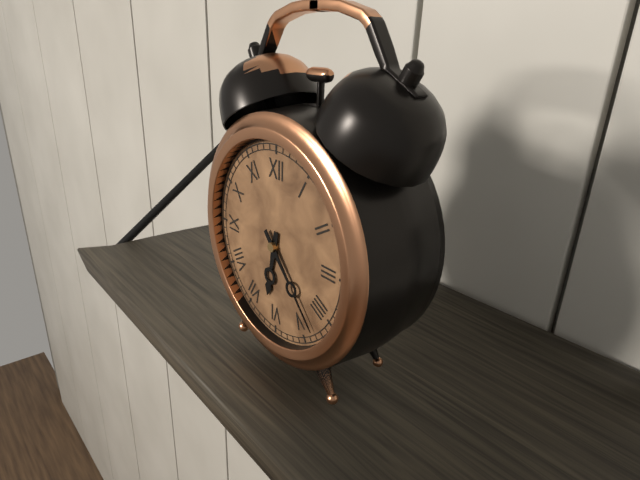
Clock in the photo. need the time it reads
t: 6:23
